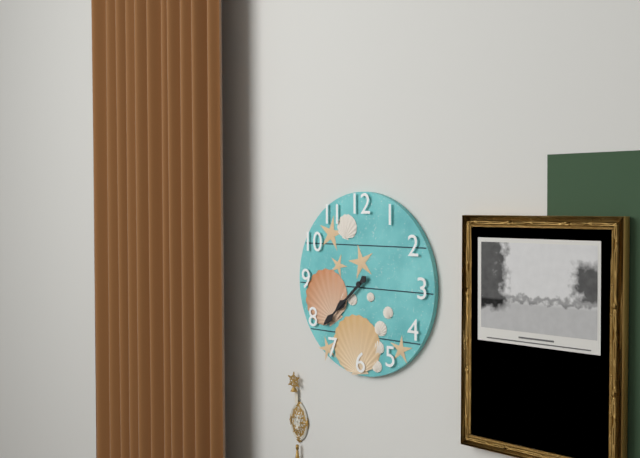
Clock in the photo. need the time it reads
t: 7:38
